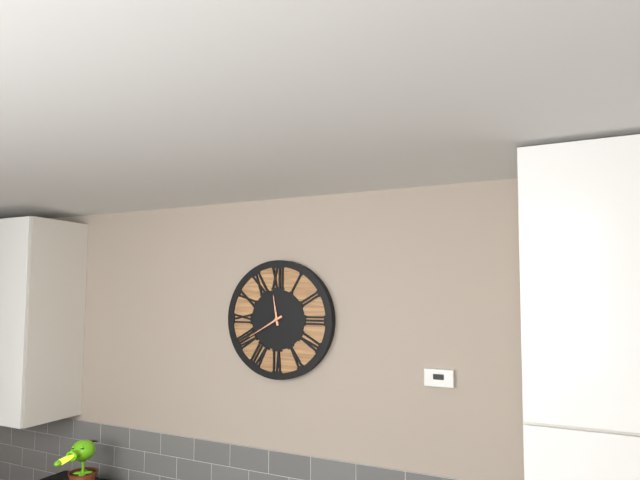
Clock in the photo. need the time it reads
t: 11:40
